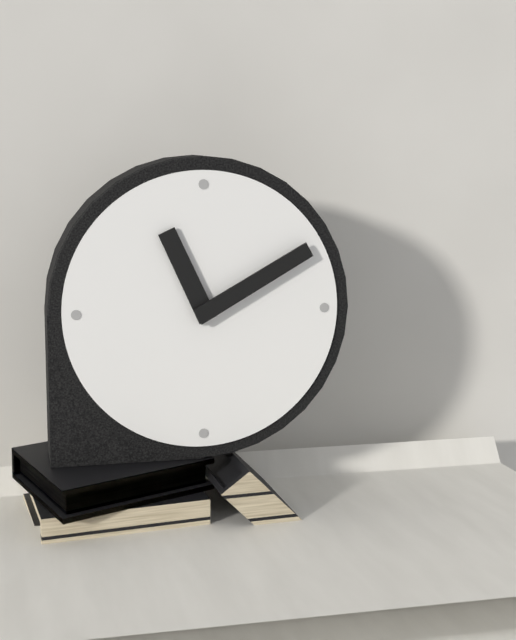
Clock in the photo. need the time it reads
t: 11:10
